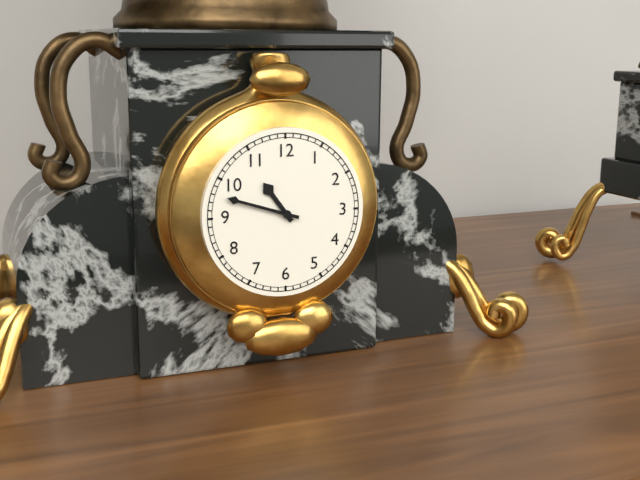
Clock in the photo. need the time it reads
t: 10:48
